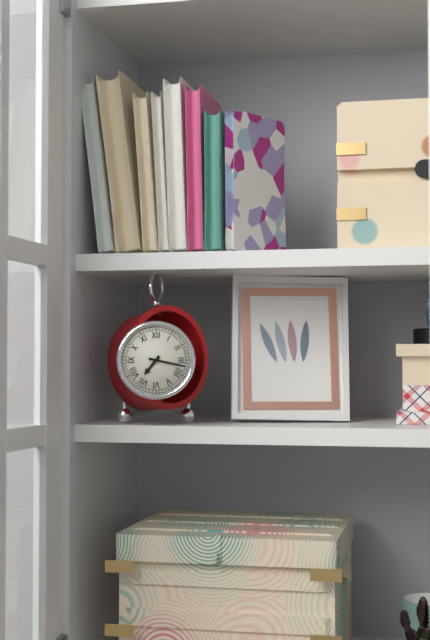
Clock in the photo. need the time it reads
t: 7:17
